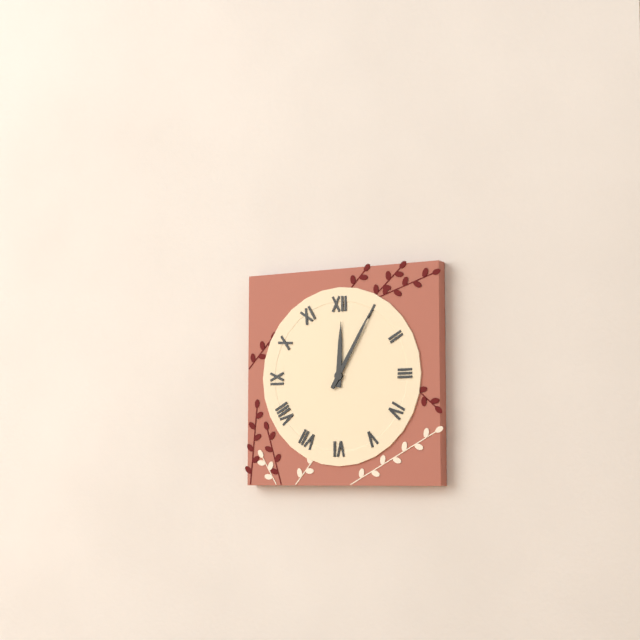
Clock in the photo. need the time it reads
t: 12:05
